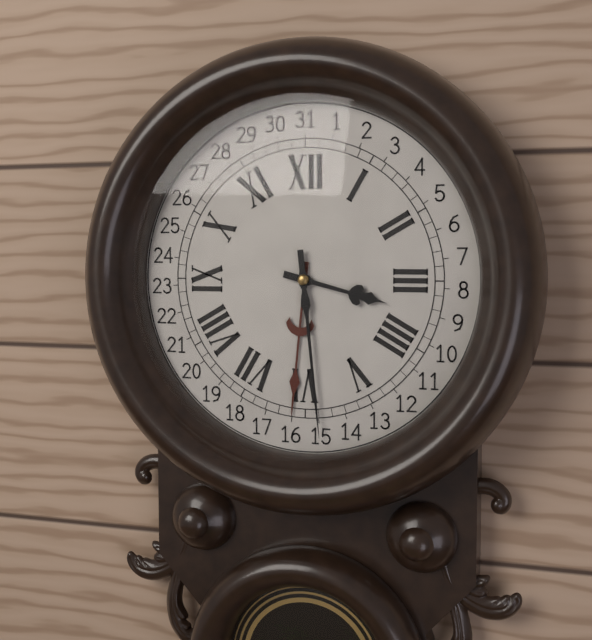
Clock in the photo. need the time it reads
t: 3:29
